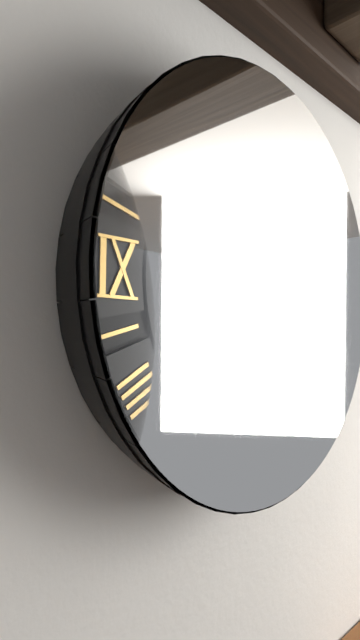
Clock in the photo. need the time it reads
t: 11:19
